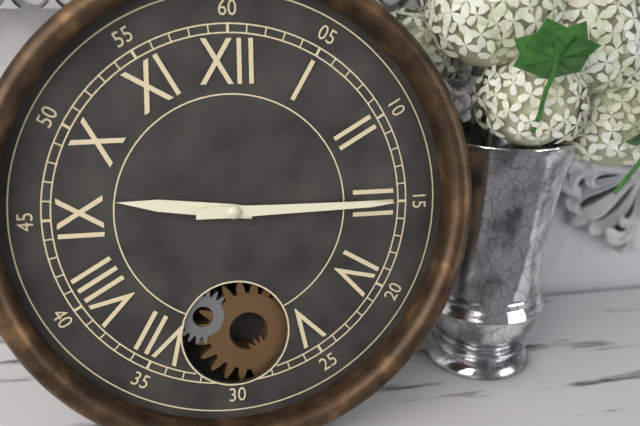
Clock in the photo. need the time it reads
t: 9:15
